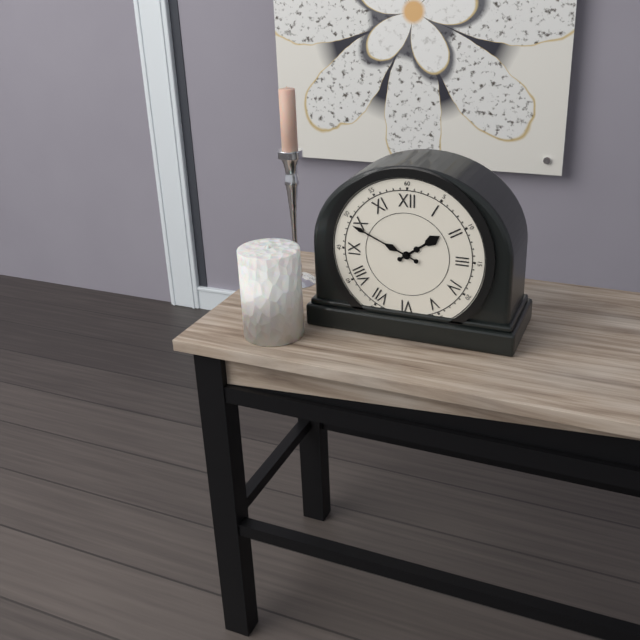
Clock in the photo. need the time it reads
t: 1:49
